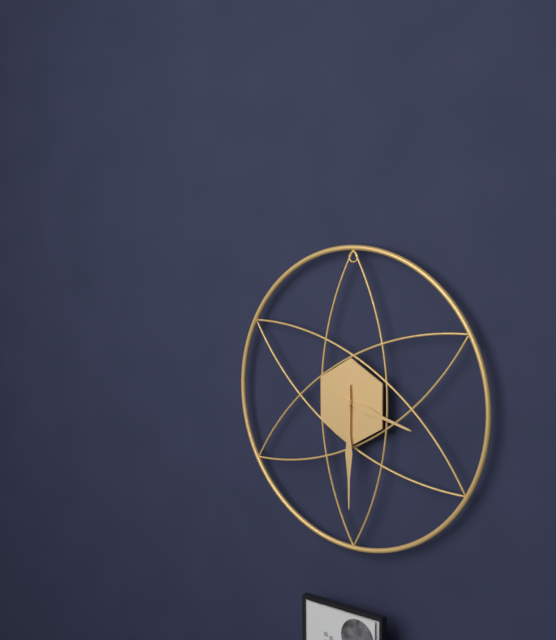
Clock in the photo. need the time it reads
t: 3:30
